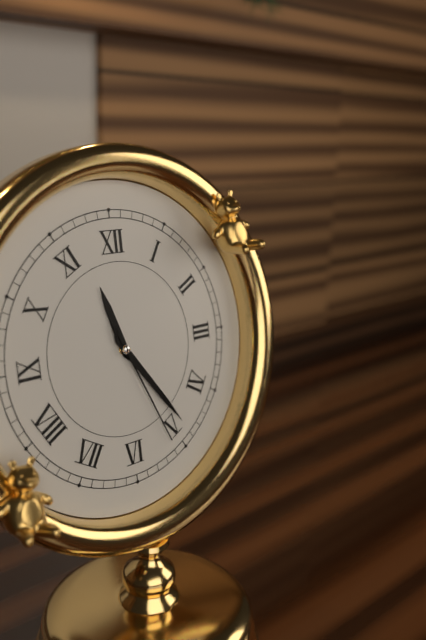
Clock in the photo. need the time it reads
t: 11:24:26
